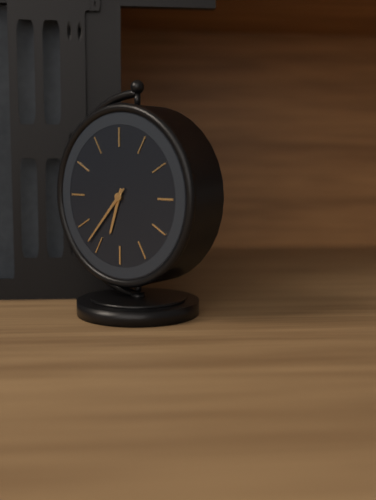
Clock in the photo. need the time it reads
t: 6:37
